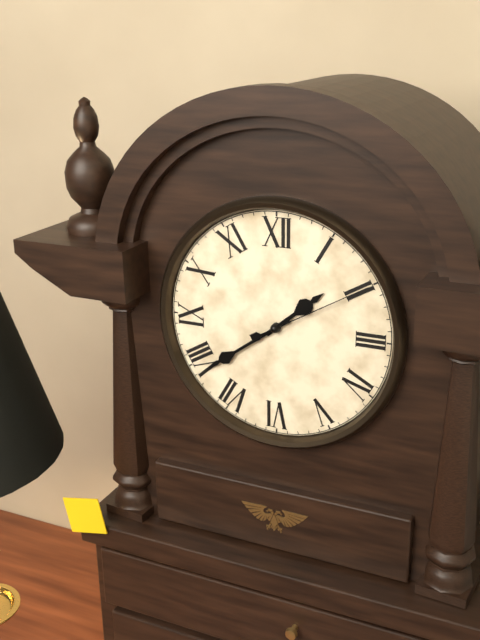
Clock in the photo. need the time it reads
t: 1:39:10
